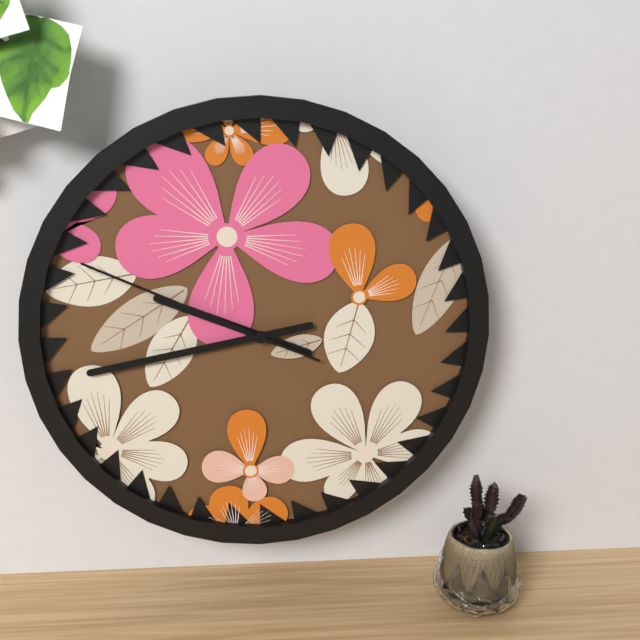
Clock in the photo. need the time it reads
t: 9:43:49
